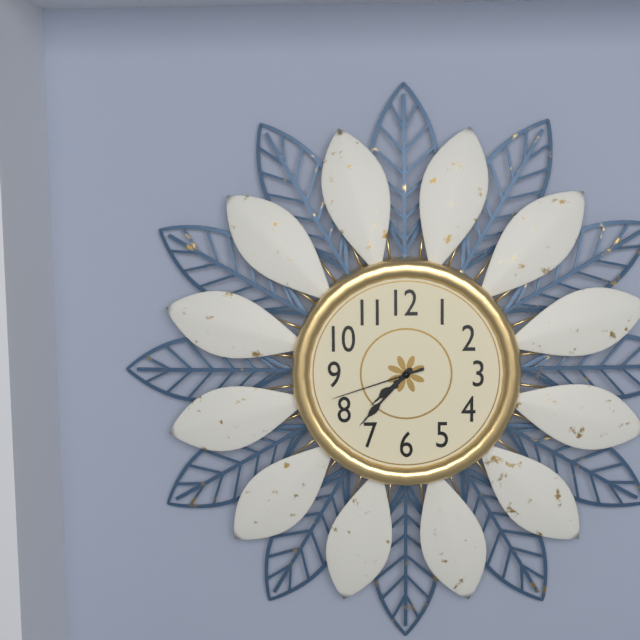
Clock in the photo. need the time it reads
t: 7:37:42
